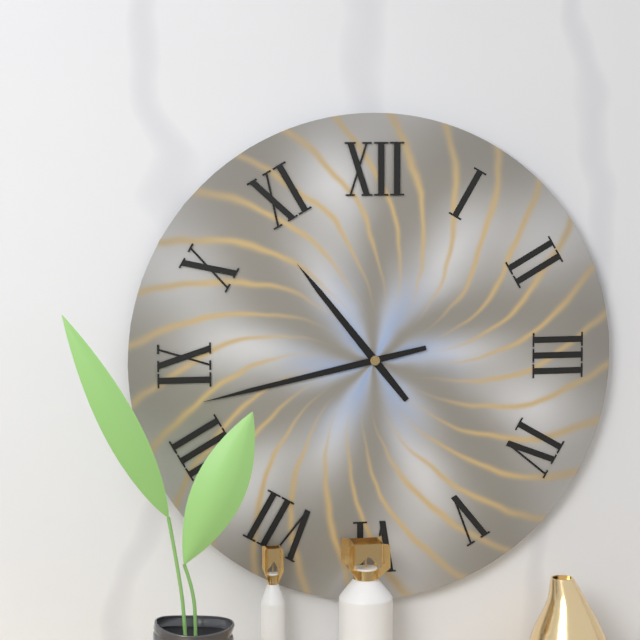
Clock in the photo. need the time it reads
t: 10:43
